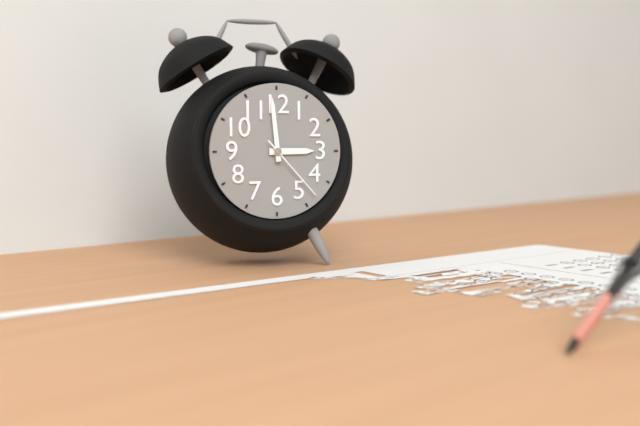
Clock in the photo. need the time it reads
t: 2:59:23
